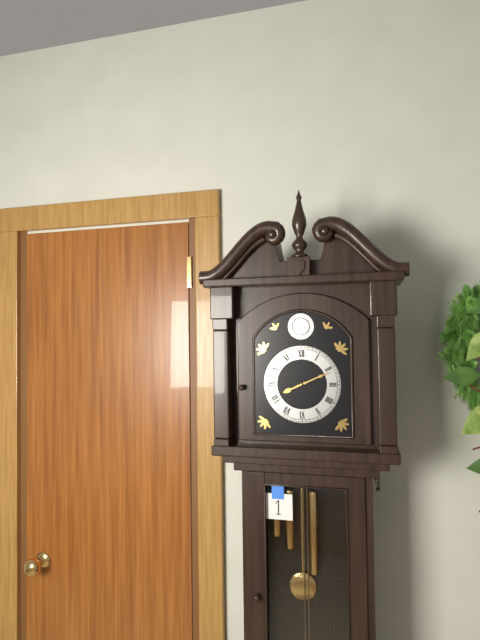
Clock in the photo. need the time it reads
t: 8:11
